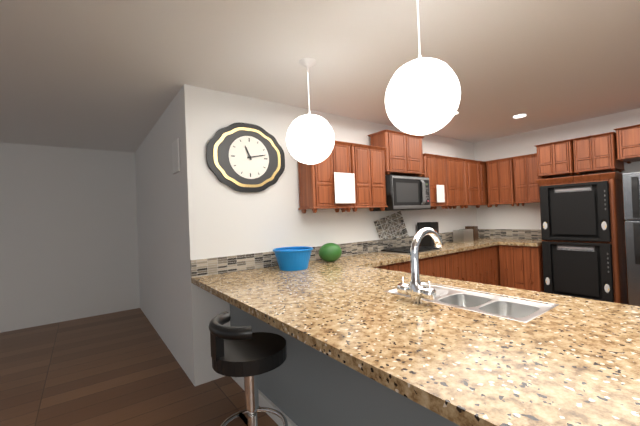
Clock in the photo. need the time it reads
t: 11:13
